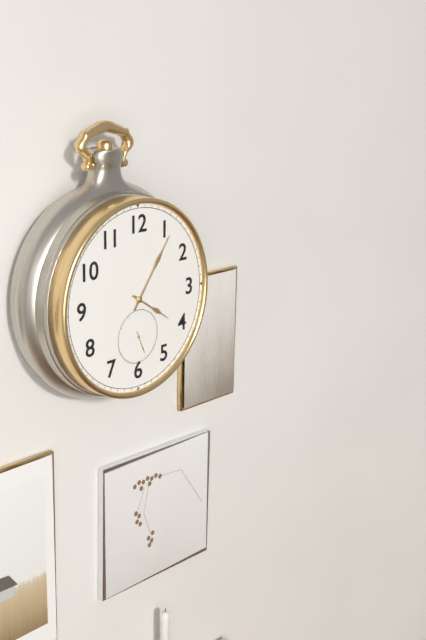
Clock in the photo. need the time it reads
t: 4:06
